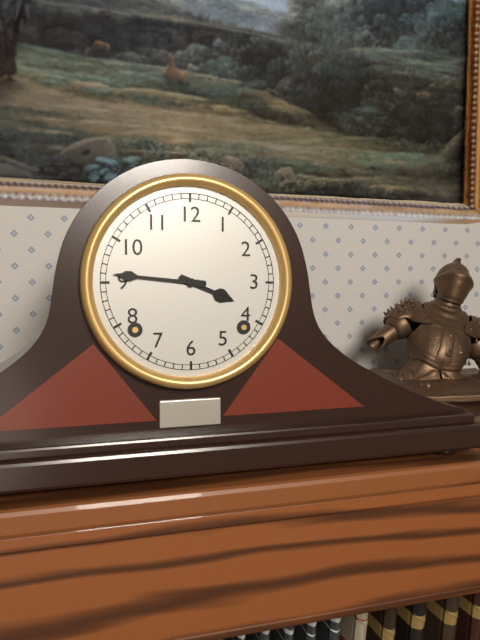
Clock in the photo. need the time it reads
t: 3:46
